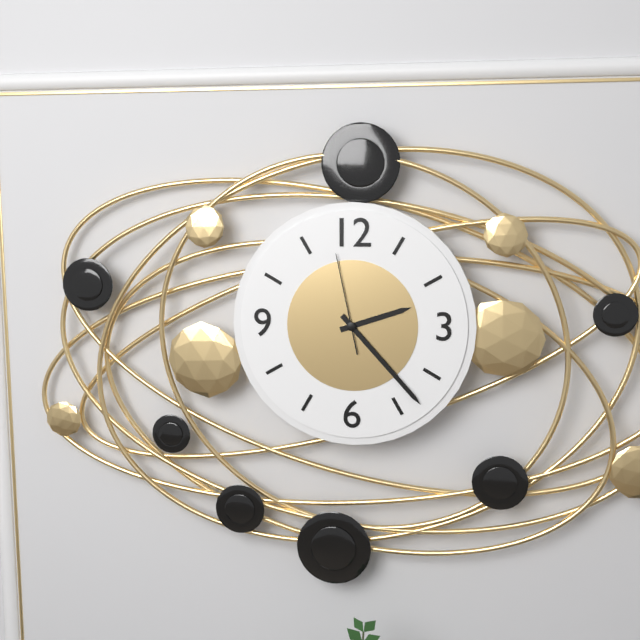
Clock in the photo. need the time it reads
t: 2:23:58
